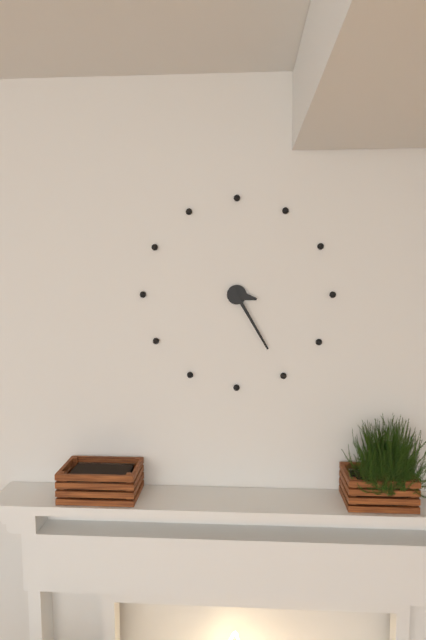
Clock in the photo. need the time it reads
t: 3:25
